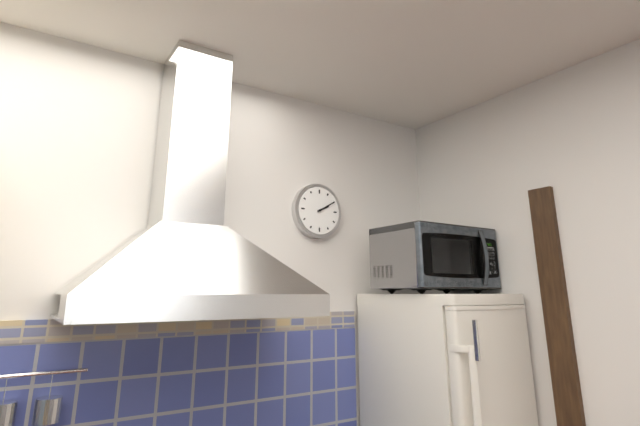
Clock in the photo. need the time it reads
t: 2:10
